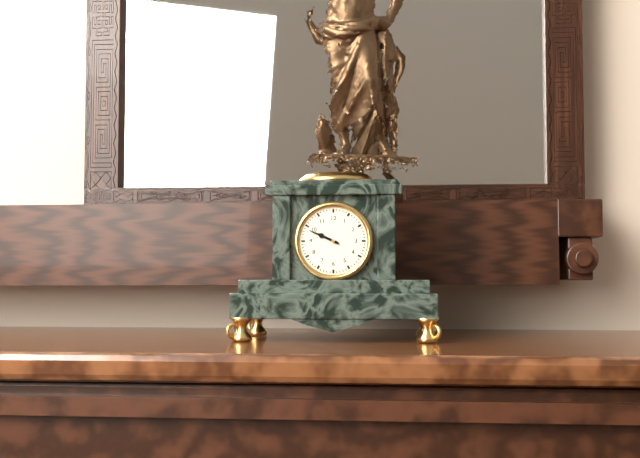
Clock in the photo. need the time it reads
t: 9:49
